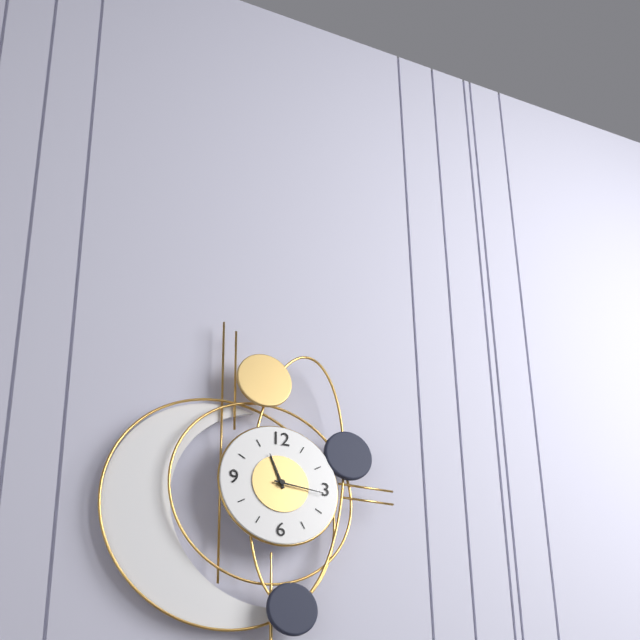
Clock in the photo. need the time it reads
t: 11:16
